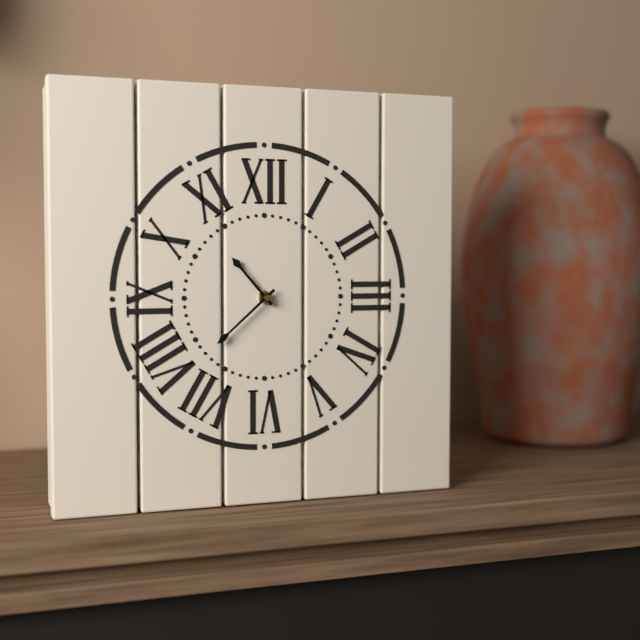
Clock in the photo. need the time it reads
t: 10:38
